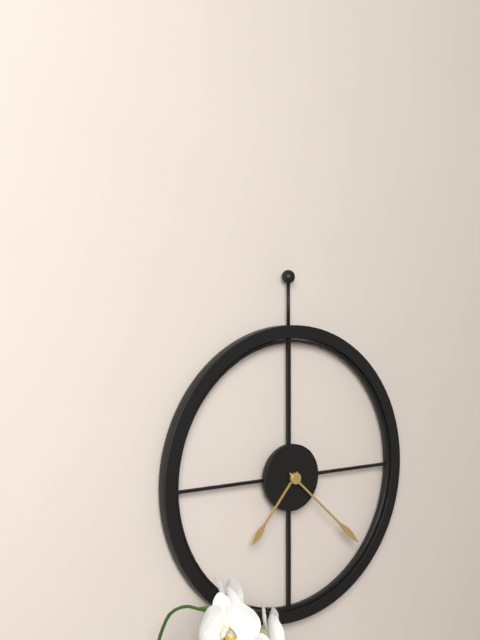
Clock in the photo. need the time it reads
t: 7:22
